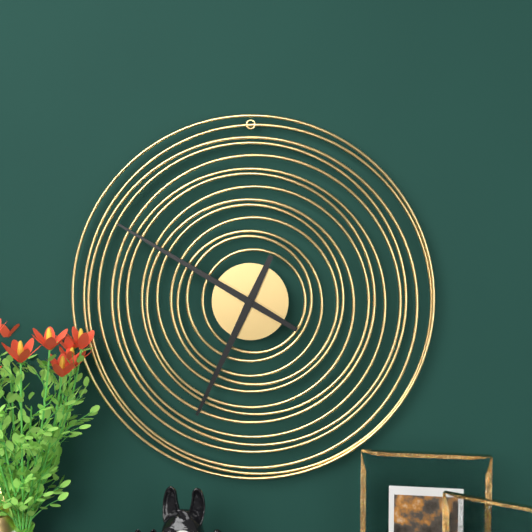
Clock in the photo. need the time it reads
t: 6:50
